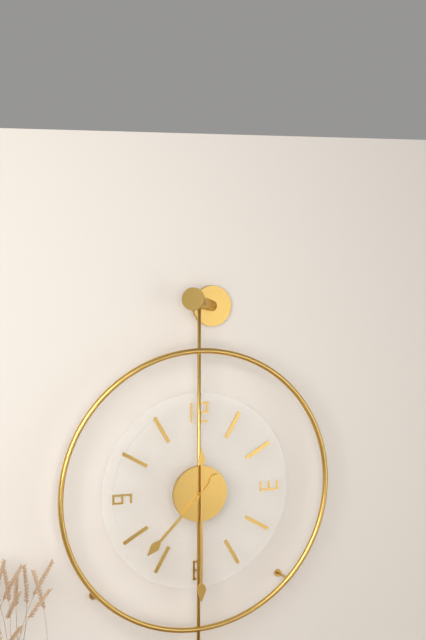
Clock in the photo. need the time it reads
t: 7:30
